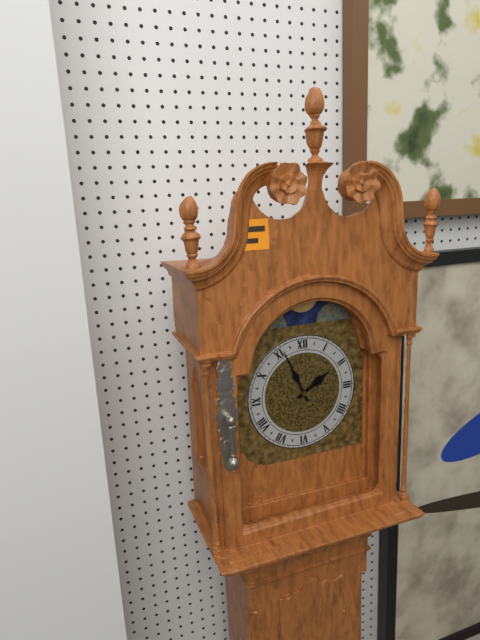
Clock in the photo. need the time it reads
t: 1:56
